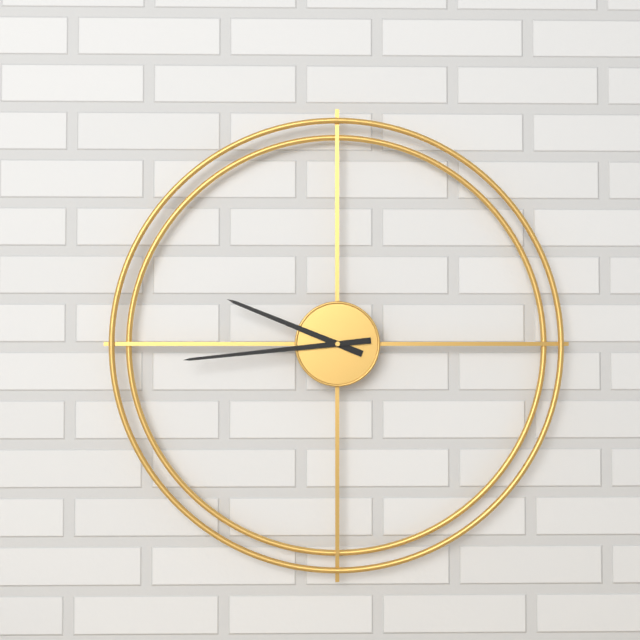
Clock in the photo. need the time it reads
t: 9:44
